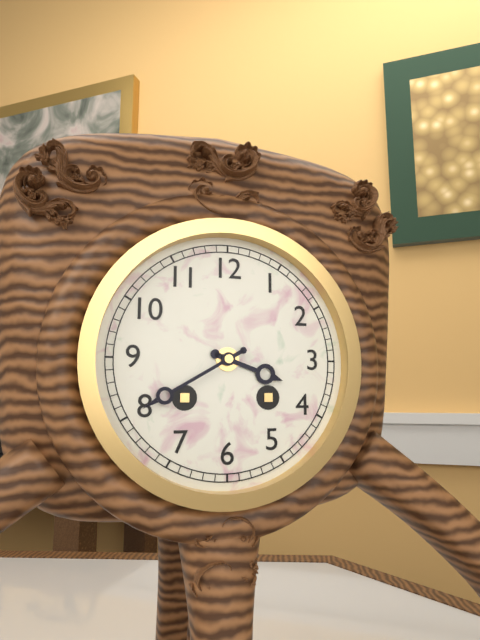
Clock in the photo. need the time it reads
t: 3:40
